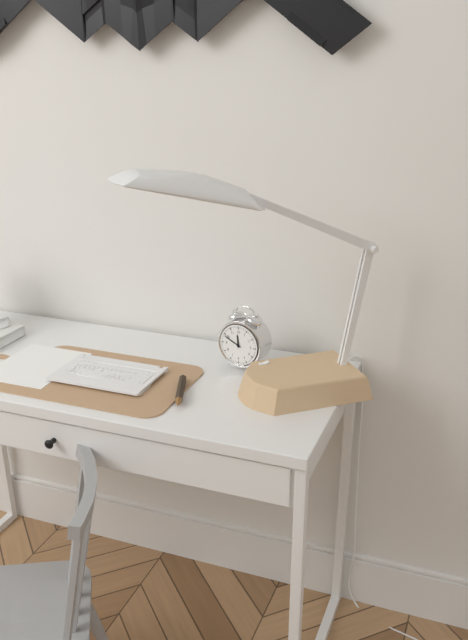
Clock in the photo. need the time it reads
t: 11:49
